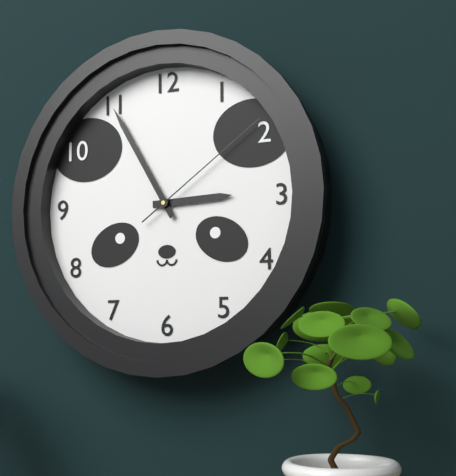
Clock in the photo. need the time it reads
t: 2:55:09
